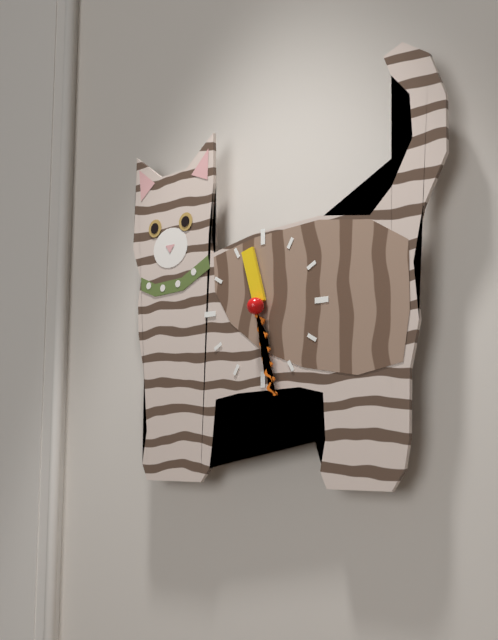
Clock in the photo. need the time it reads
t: 11:28
